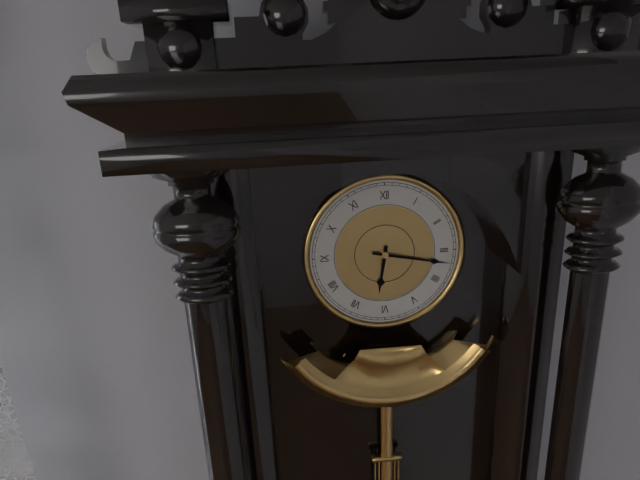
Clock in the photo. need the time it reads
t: 6:17
